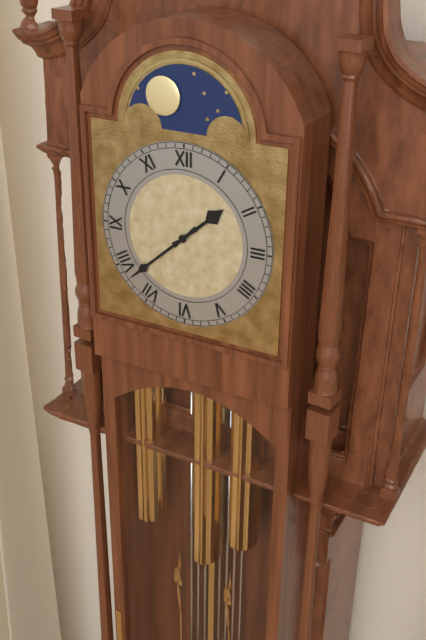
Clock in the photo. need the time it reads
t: 1:38
